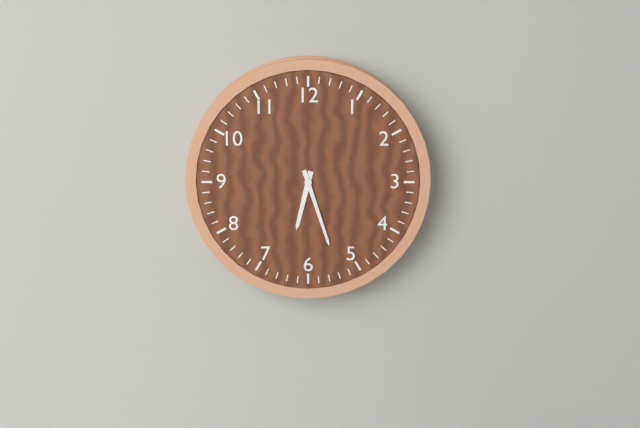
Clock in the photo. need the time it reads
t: 6:27
